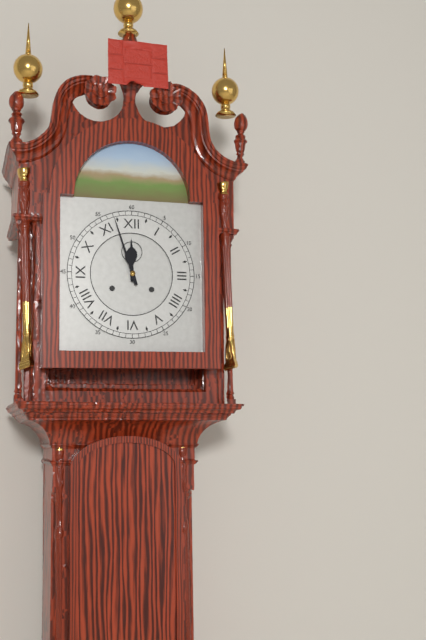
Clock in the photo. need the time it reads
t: 11:57
